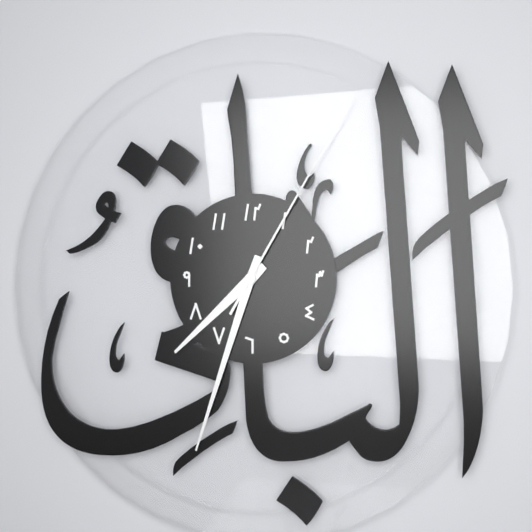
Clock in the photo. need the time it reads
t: 7:33:05
